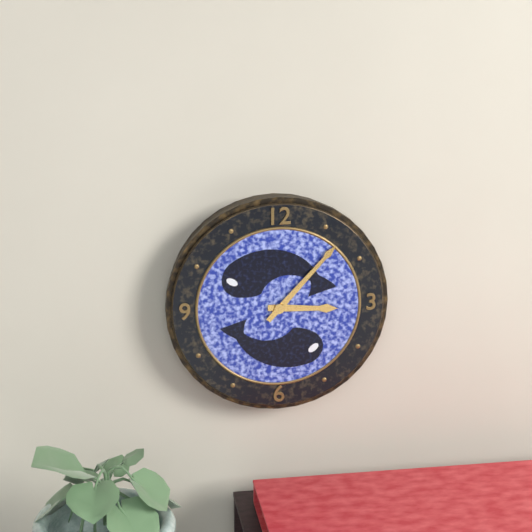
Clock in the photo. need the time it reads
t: 3:07
